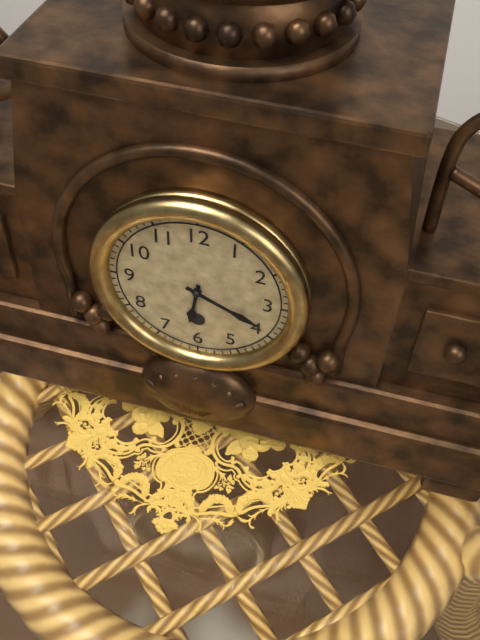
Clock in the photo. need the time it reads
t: 6:19
